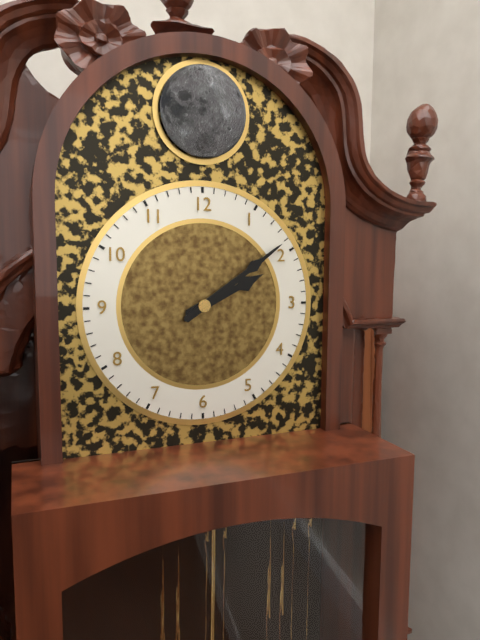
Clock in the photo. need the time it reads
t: 2:09
